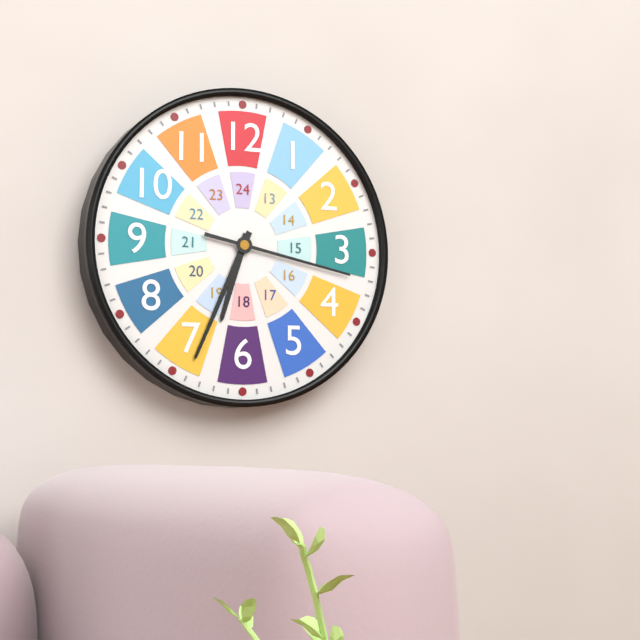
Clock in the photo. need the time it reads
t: 6:34:17
